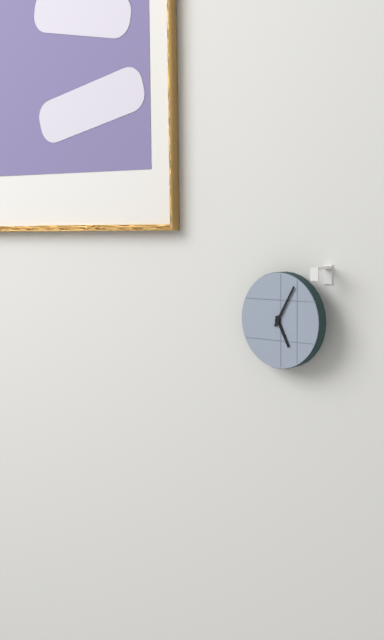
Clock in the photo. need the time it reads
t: 5:05
